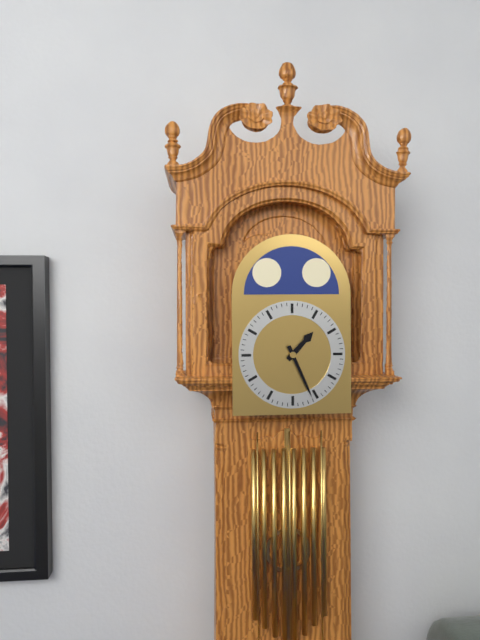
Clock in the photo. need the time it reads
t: 1:26
